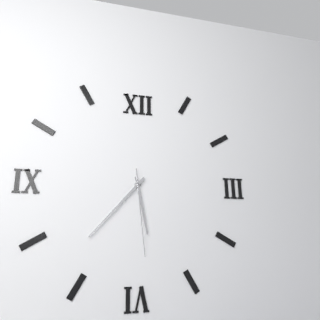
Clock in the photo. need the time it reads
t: 5:37:29
